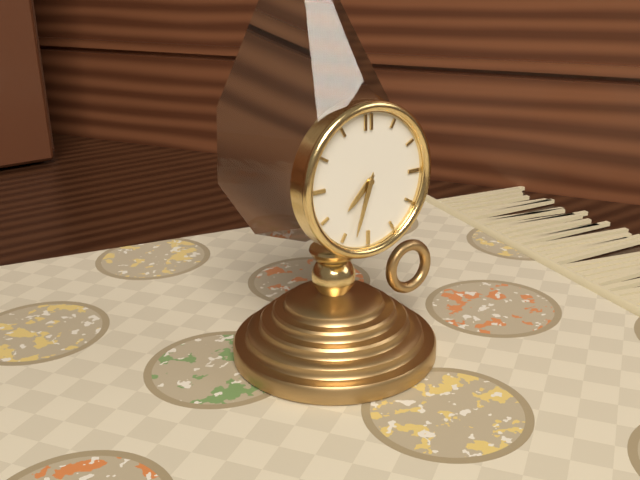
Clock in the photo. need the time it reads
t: 7:33
